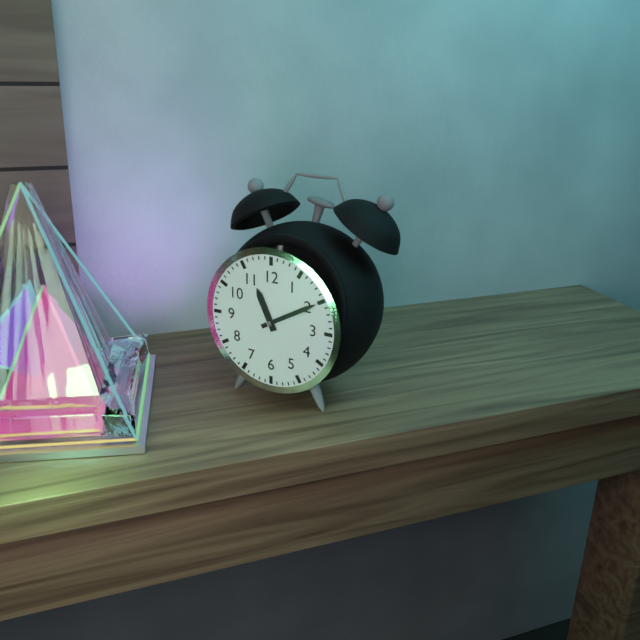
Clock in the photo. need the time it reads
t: 11:10
